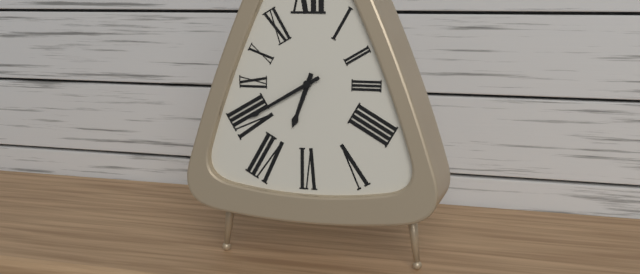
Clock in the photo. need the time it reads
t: 6:40
